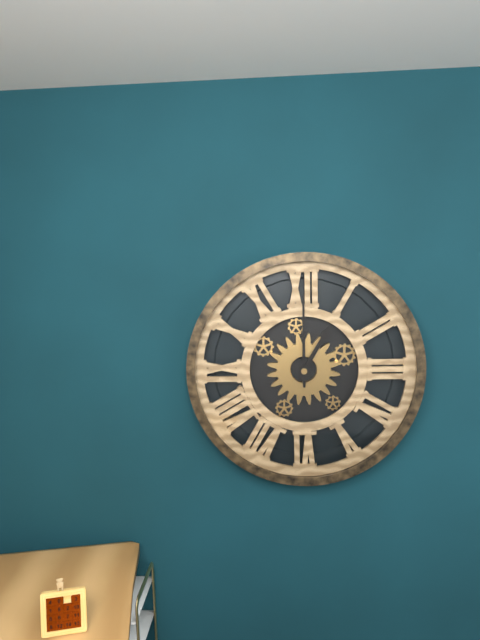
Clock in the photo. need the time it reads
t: 1:00
